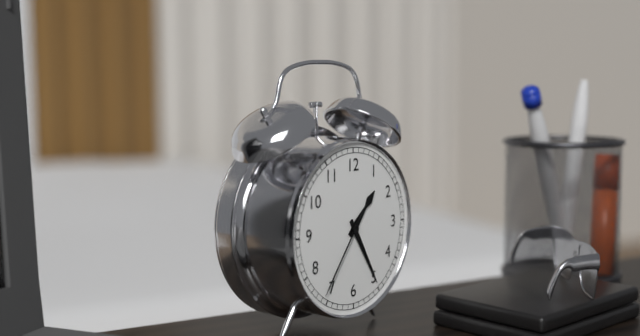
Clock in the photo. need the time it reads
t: 1:25:36
